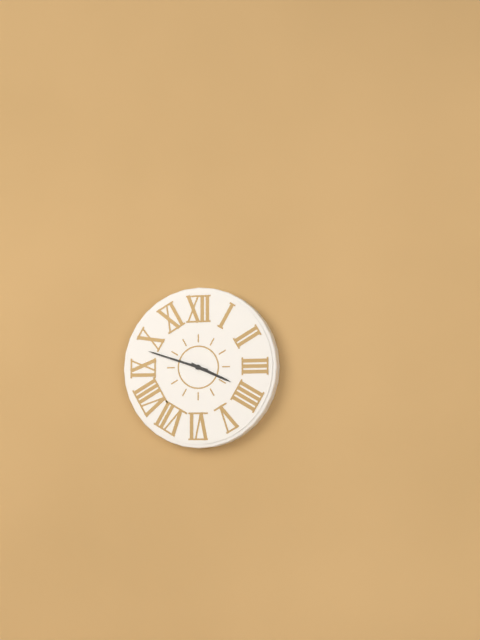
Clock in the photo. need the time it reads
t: 3:48
